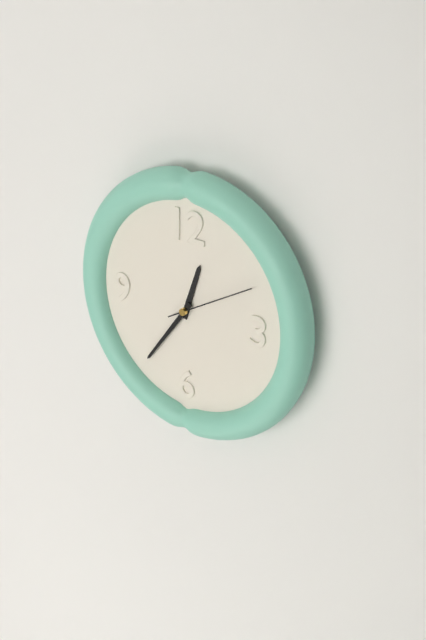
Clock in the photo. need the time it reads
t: 12:36:10
